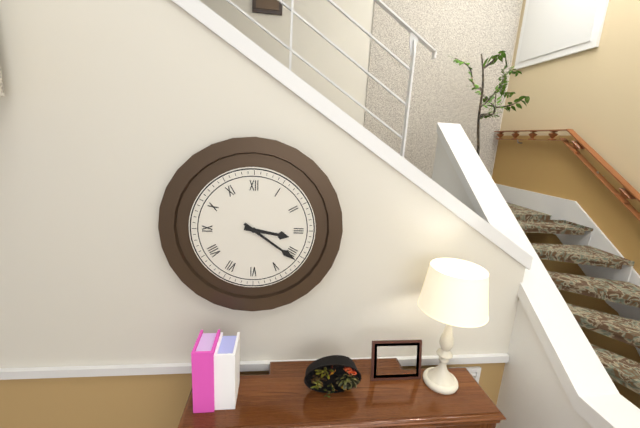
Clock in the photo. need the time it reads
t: 3:21
